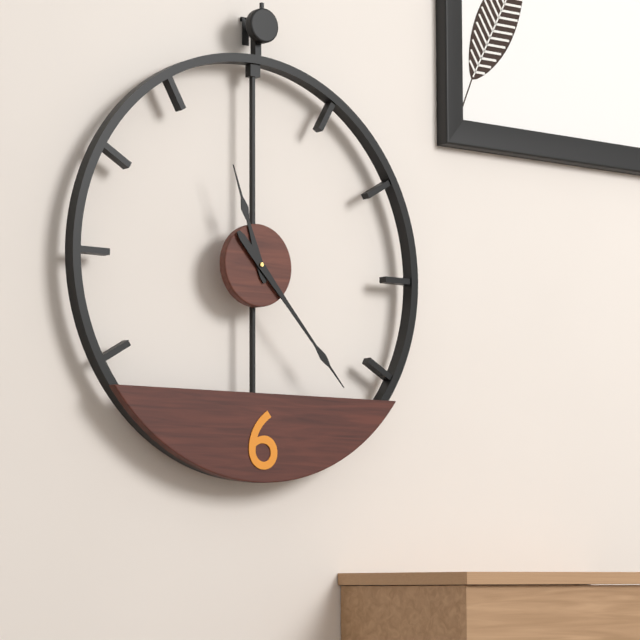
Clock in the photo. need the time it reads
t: 11:23
